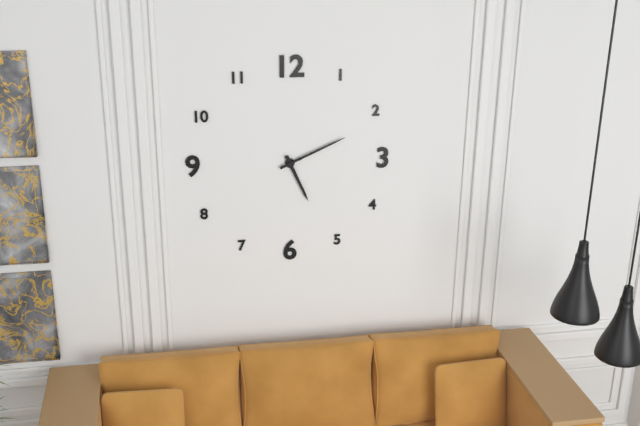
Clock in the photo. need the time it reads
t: 5:11
